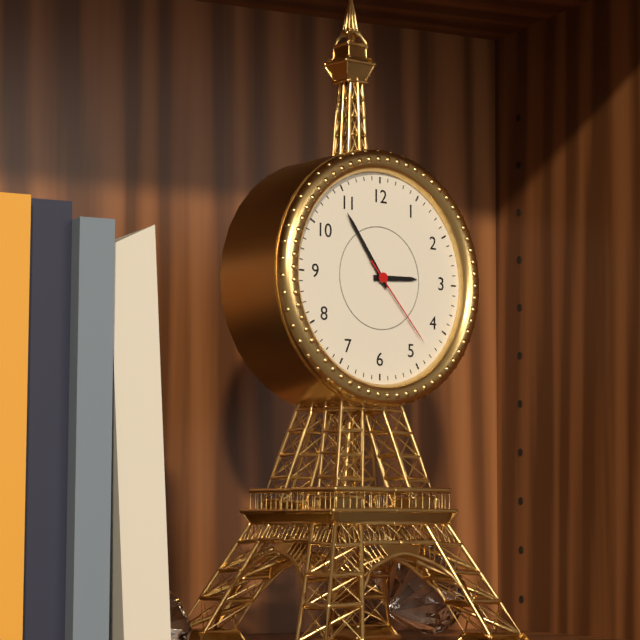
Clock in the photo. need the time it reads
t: 2:54:23
